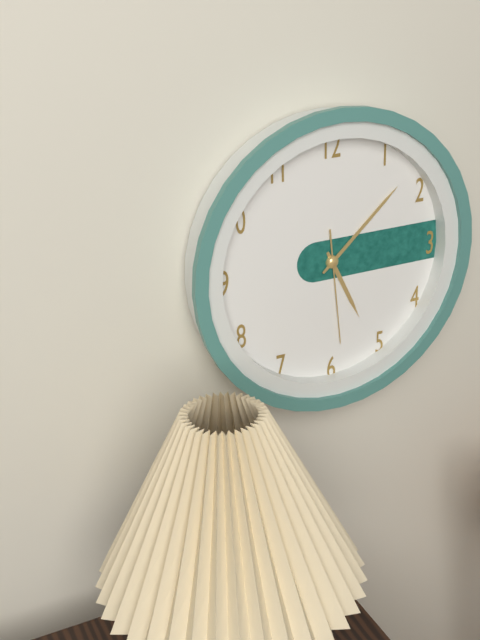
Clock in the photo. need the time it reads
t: 5:08:29
